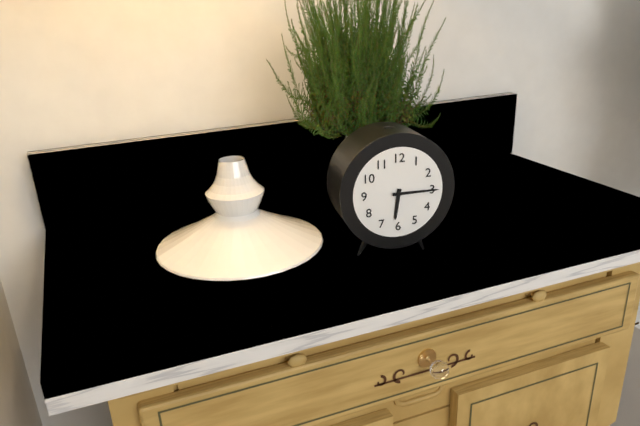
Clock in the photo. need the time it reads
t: 6:15
